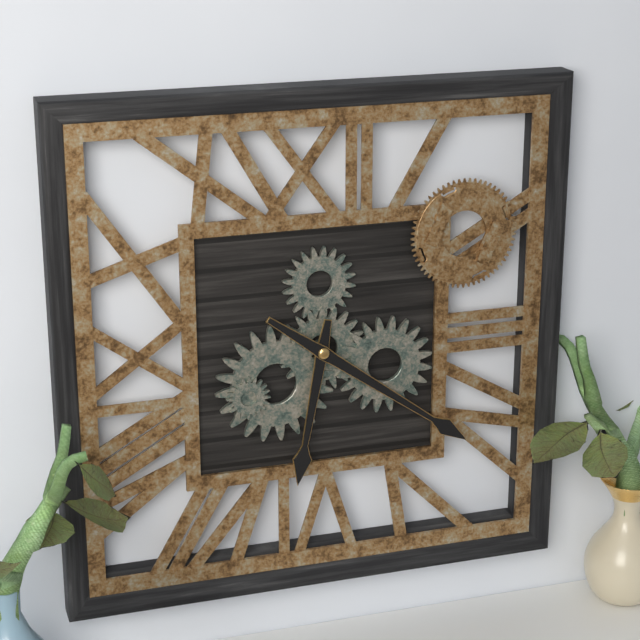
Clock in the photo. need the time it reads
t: 6:21
